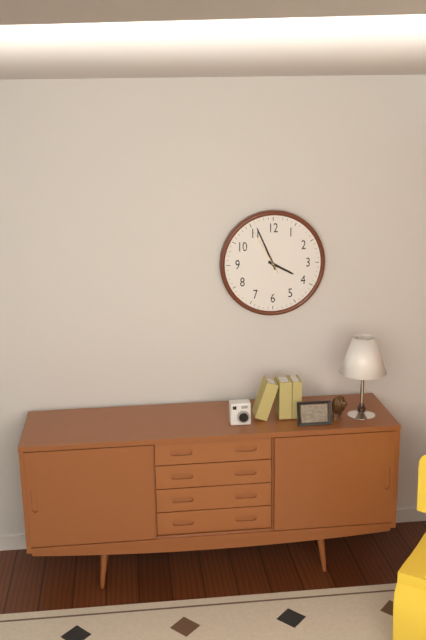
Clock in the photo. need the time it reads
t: 3:56
